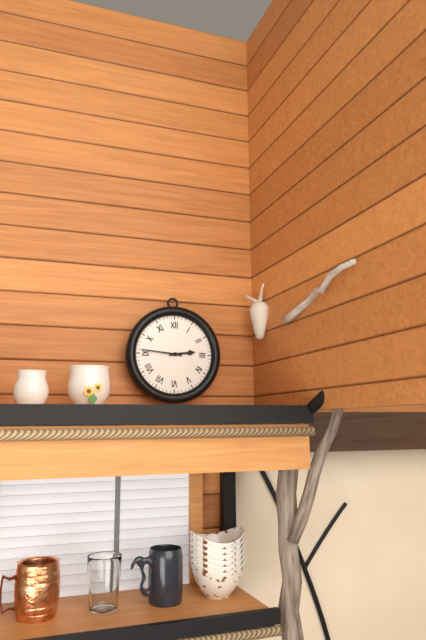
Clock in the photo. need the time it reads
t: 2:46
